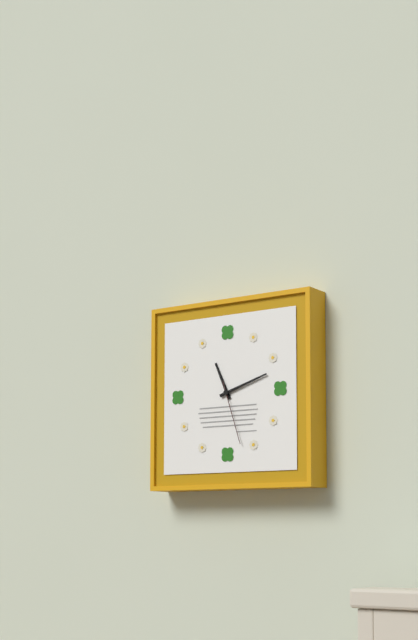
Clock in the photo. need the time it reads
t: 11:12:27
